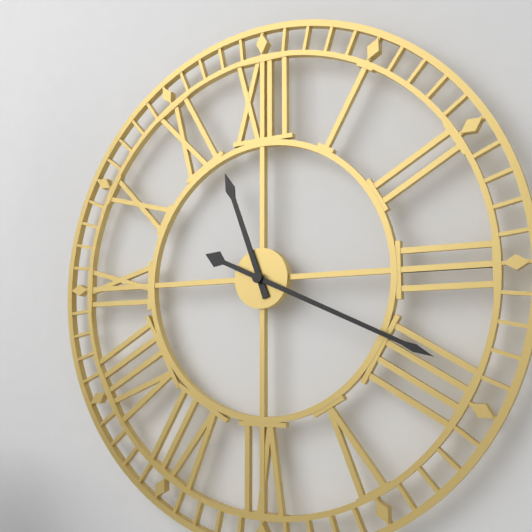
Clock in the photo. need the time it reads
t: 11:19
